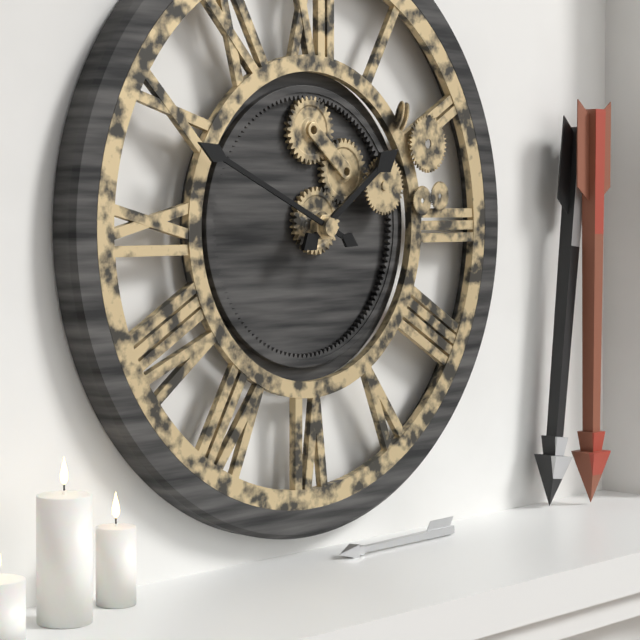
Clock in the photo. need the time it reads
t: 1:49
